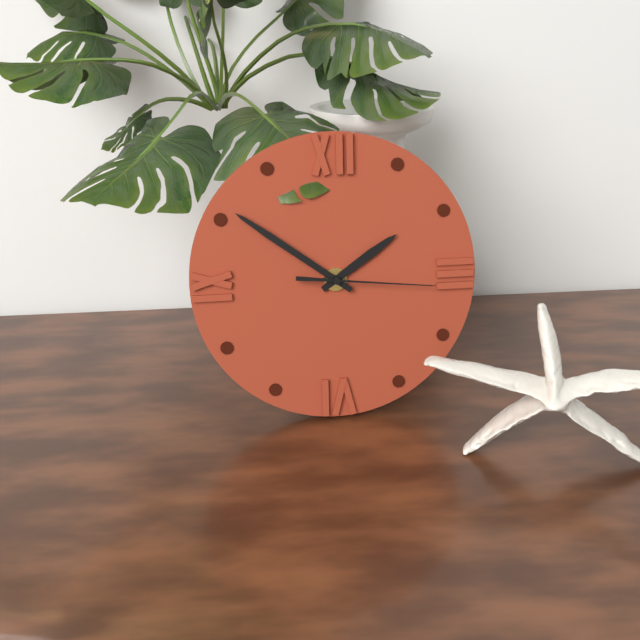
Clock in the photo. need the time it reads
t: 1:51:16
